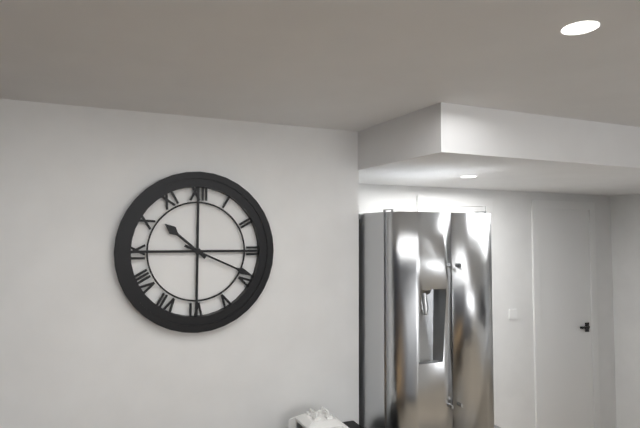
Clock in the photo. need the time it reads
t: 10:19
